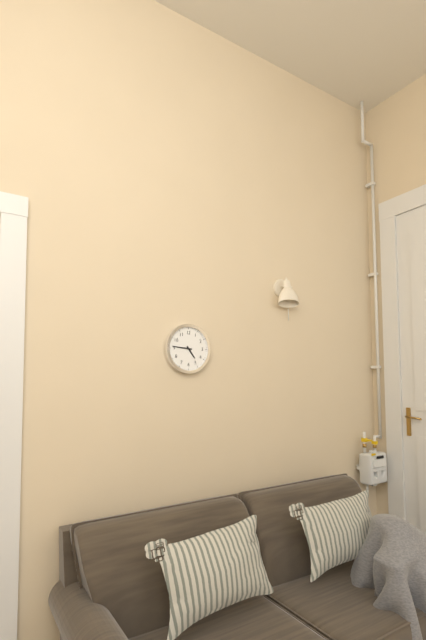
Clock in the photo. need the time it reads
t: 4:46
